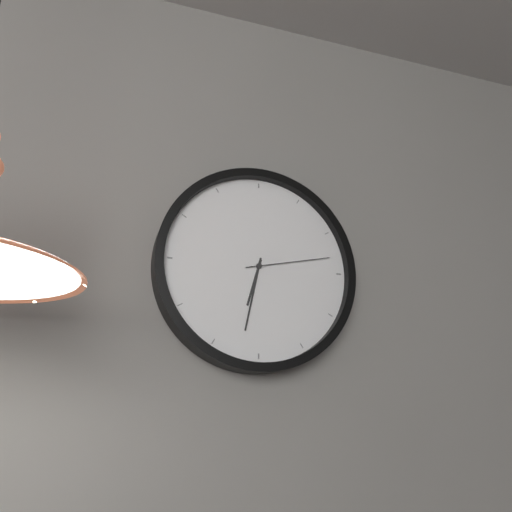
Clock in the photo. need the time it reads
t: 6:32:13
